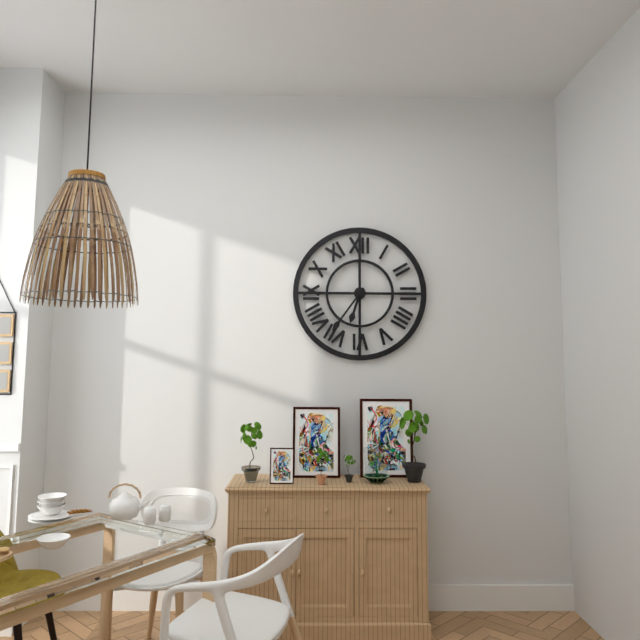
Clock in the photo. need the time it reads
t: 6:36
